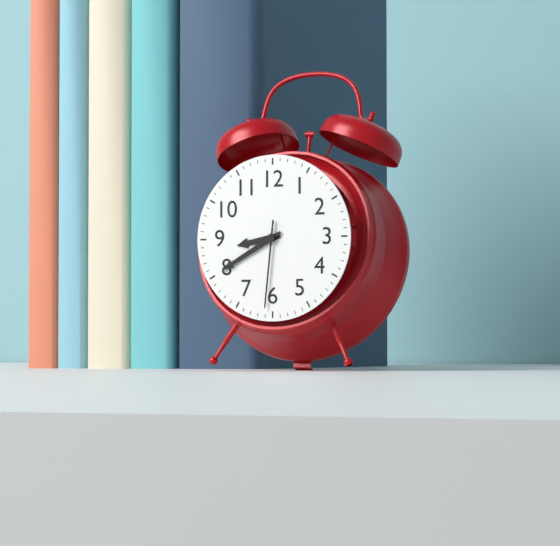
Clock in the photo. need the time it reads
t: 8:40:31
